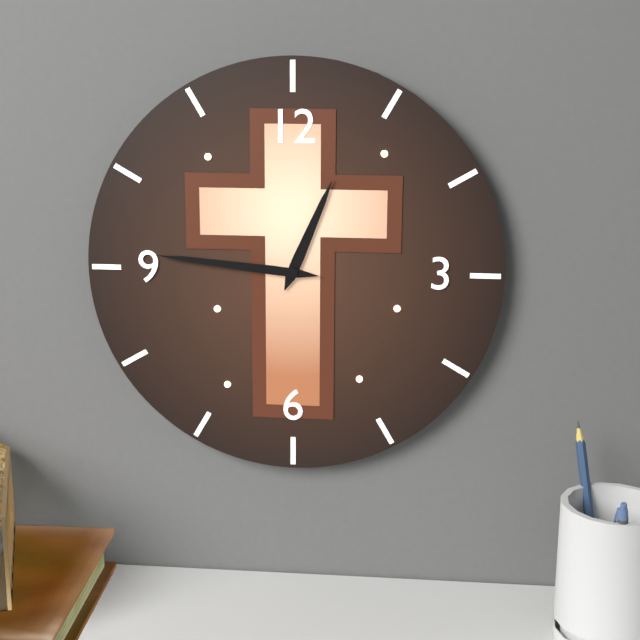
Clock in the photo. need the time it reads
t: 12:46
